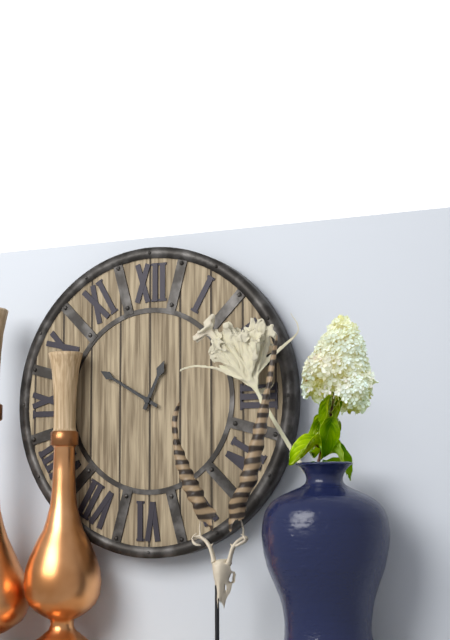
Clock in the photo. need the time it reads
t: 12:50
